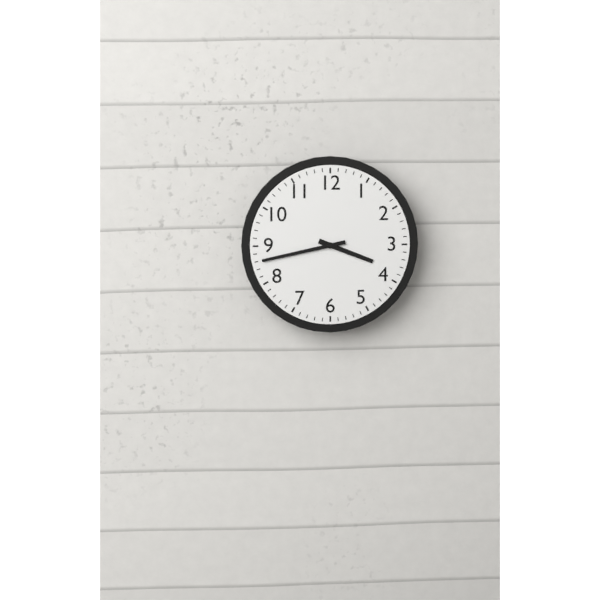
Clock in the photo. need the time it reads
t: 3:43
